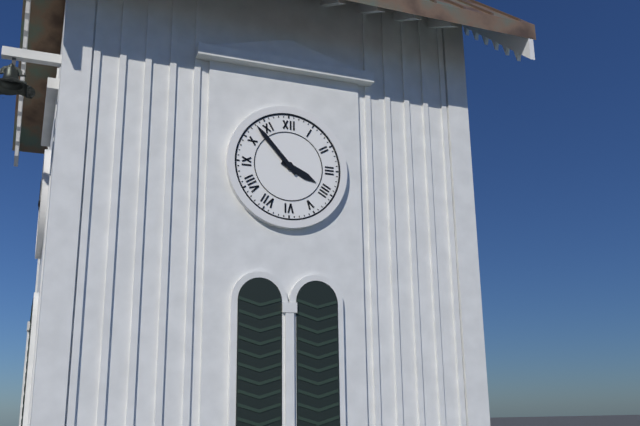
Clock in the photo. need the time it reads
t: 3:53
